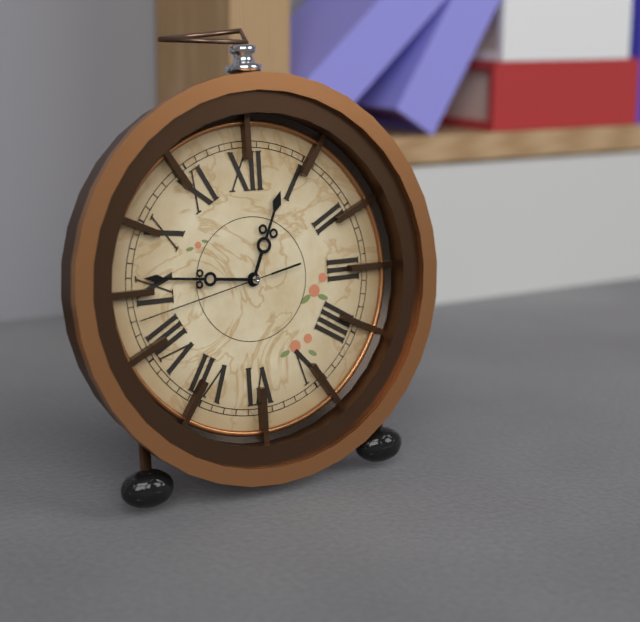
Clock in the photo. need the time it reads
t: 12:46:43
